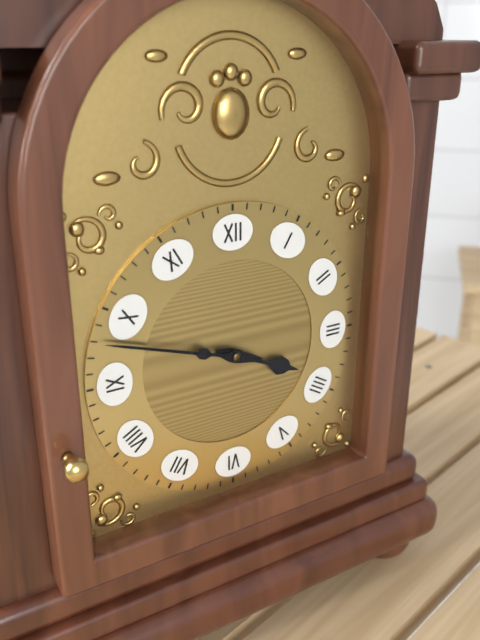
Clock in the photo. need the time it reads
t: 3:48
